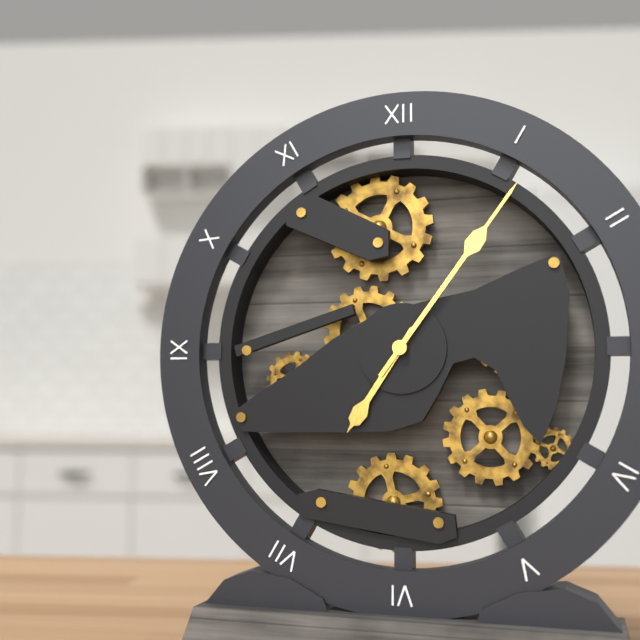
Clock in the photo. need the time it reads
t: 7:06
